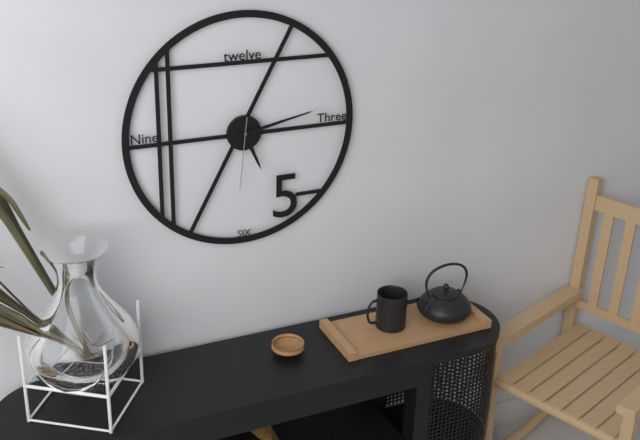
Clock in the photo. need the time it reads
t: 5:13:31
